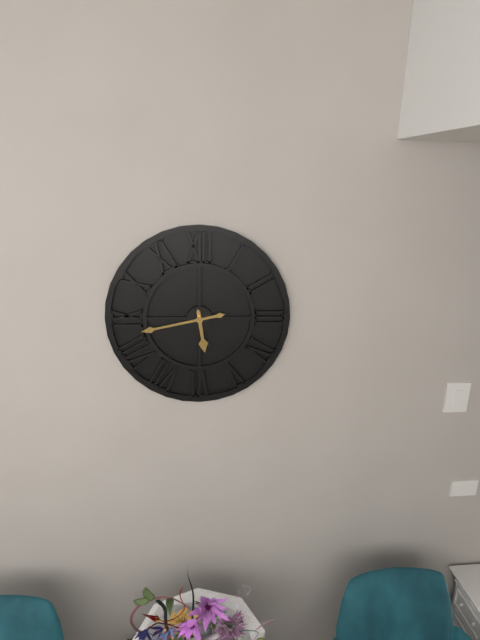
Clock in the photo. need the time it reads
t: 5:43
